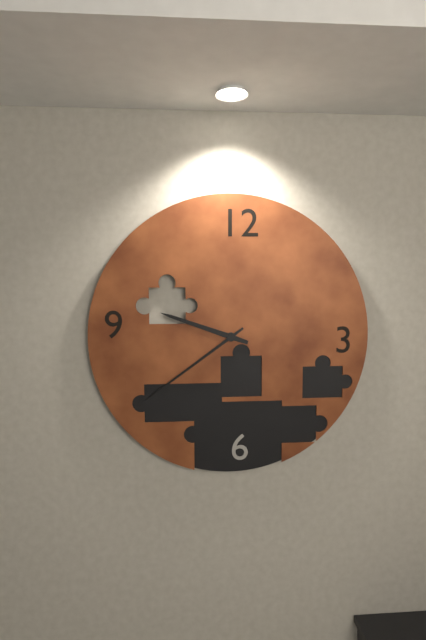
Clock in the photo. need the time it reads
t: 9:39
